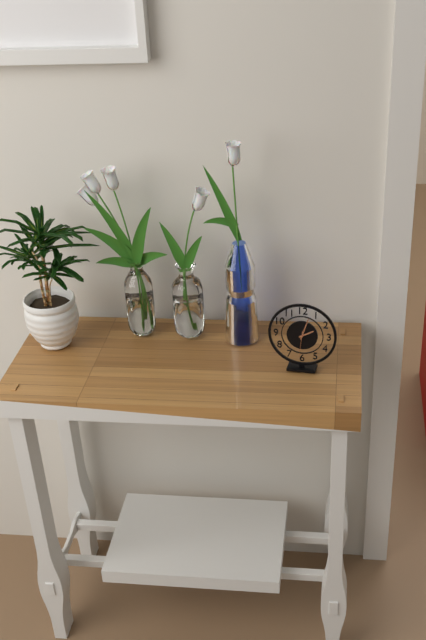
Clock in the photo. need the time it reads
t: 2:03
